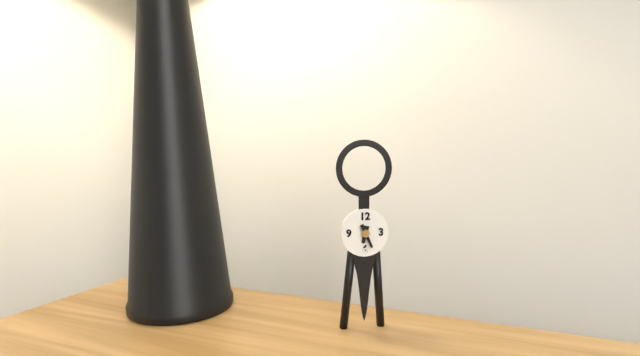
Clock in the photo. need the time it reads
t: 6:26
